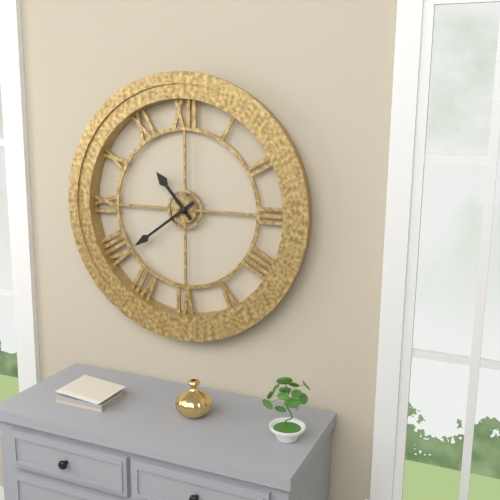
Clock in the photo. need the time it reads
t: 10:39
